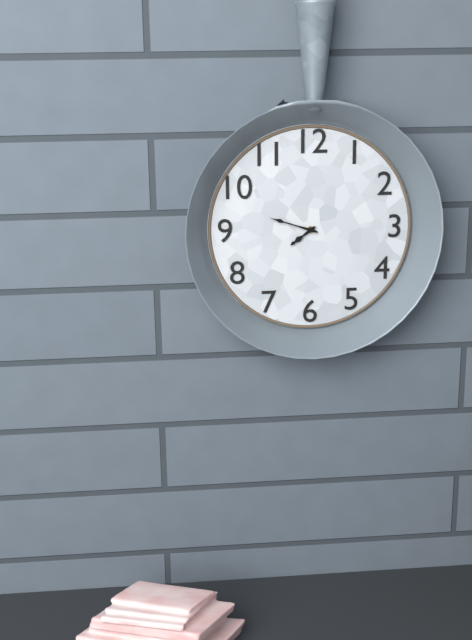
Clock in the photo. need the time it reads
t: 7:48
